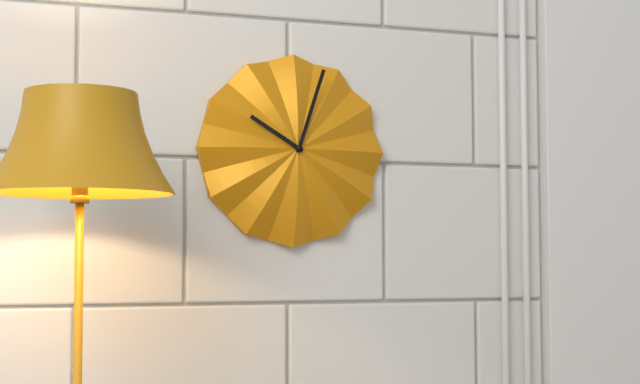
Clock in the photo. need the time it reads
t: 10:03
